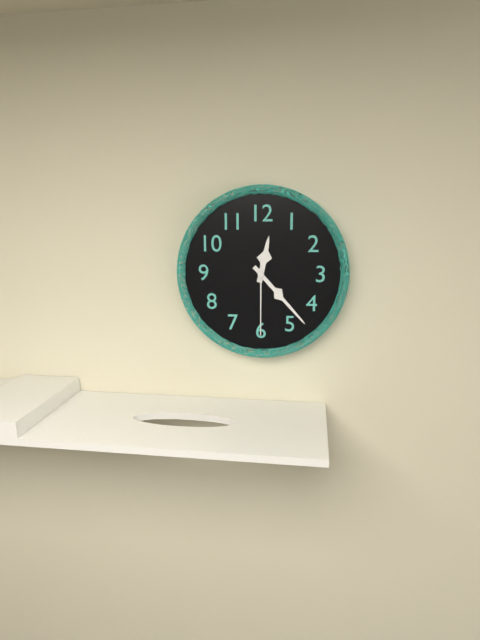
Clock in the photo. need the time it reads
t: 12:23:30
